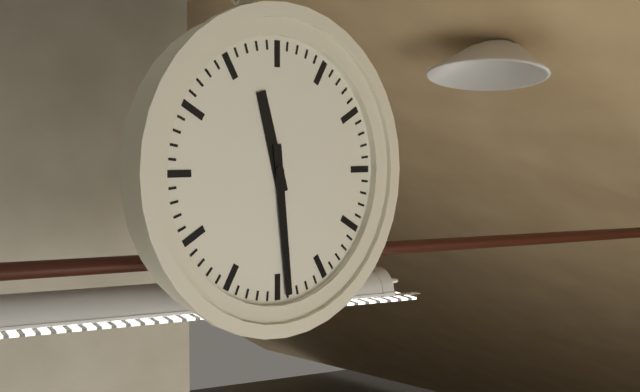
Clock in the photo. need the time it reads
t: 11:29
